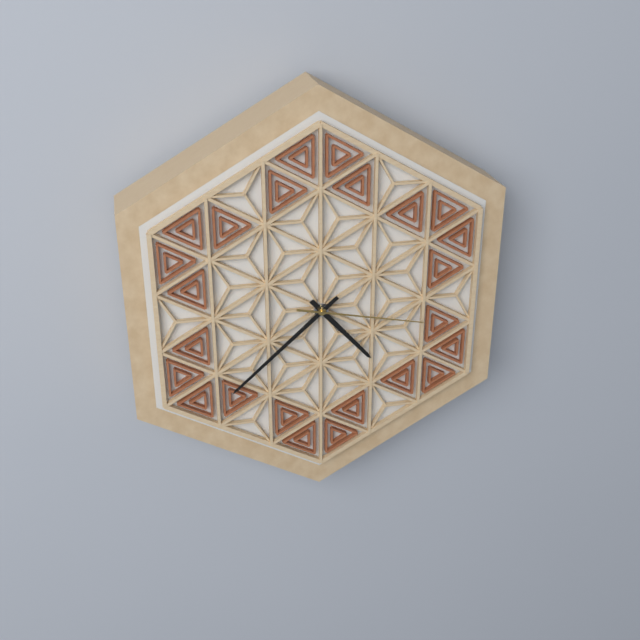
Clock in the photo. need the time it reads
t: 4:38:17
